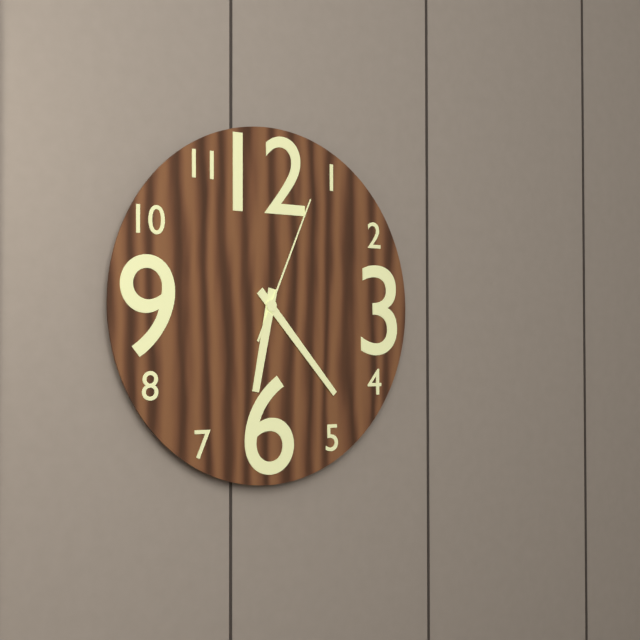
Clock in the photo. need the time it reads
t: 6:23:04
